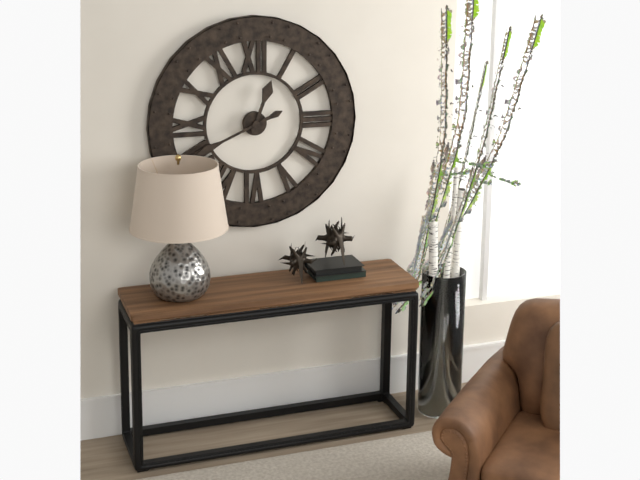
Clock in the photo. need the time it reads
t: 12:41
